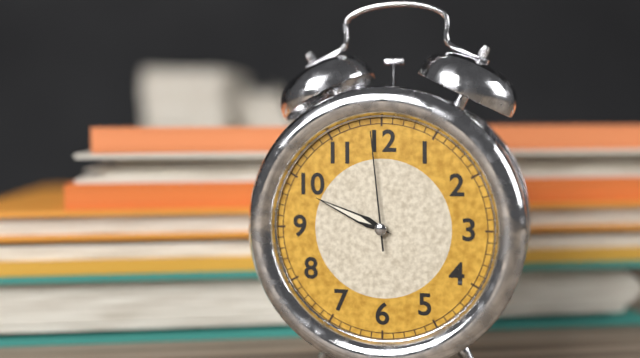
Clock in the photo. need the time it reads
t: 9:49:59
